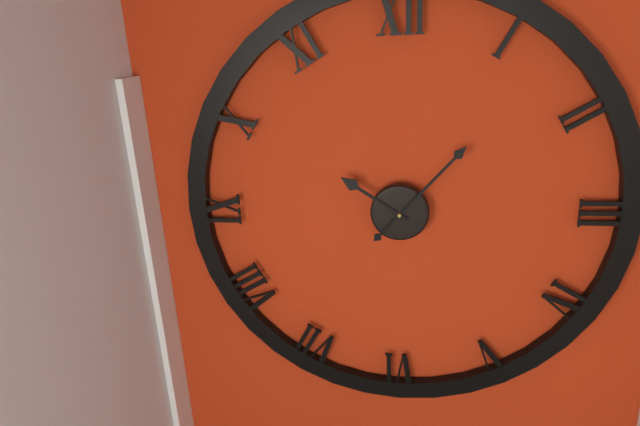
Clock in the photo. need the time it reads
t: 10:07
